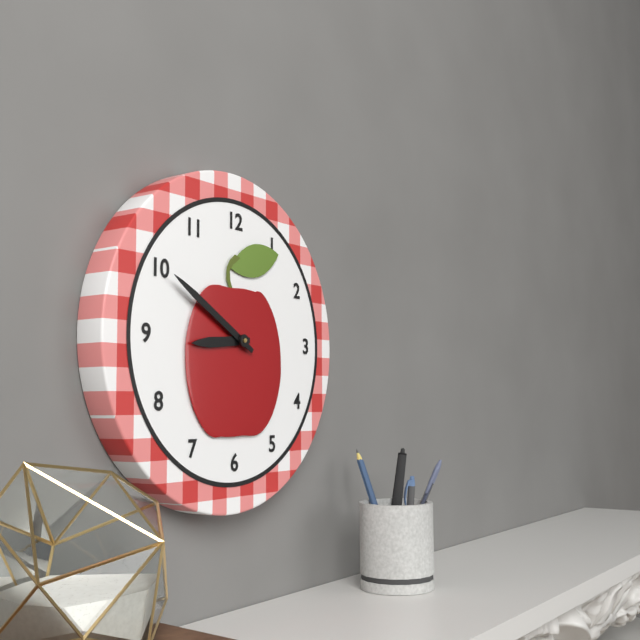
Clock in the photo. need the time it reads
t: 8:50
